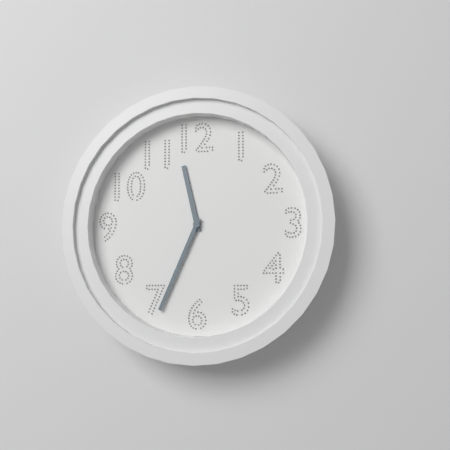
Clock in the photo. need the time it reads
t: 11:34
